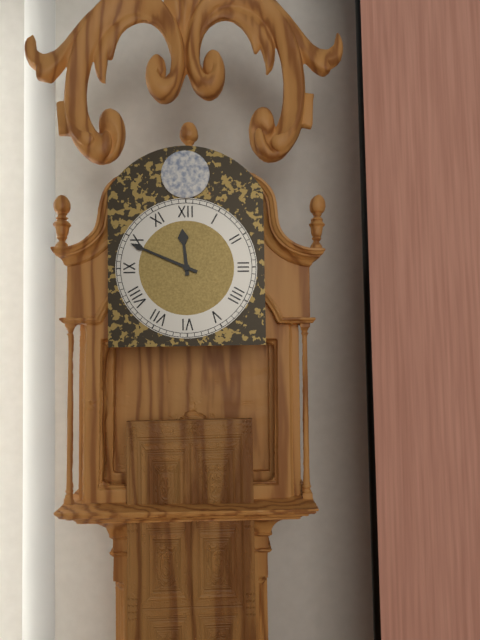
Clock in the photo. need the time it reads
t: 11:49
